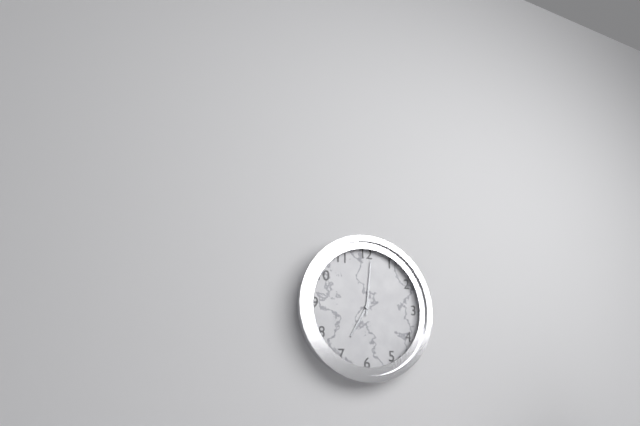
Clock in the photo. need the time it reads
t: 7:01
